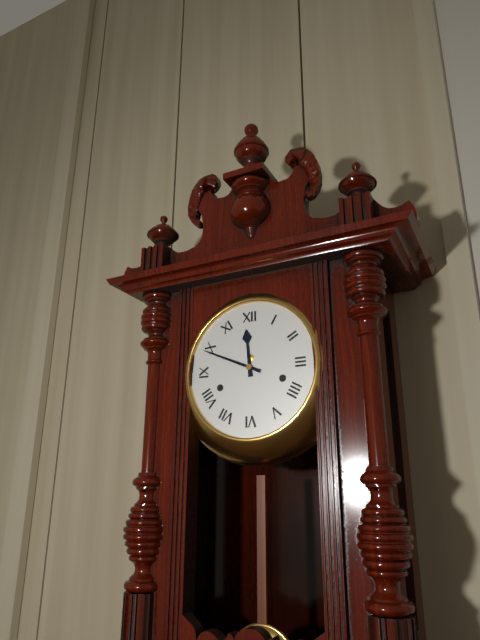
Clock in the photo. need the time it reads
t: 11:49
